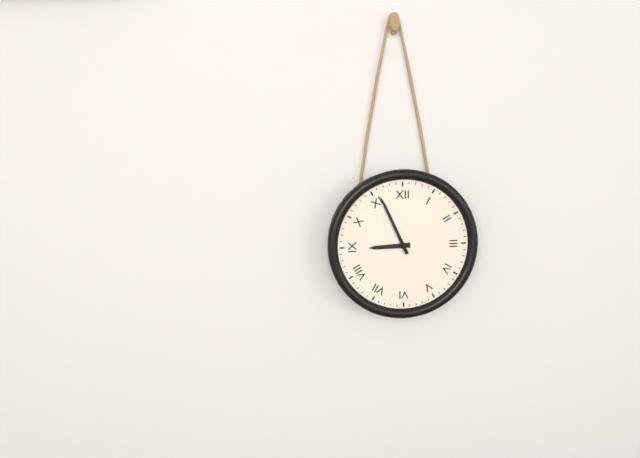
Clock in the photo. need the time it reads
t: 8:56
